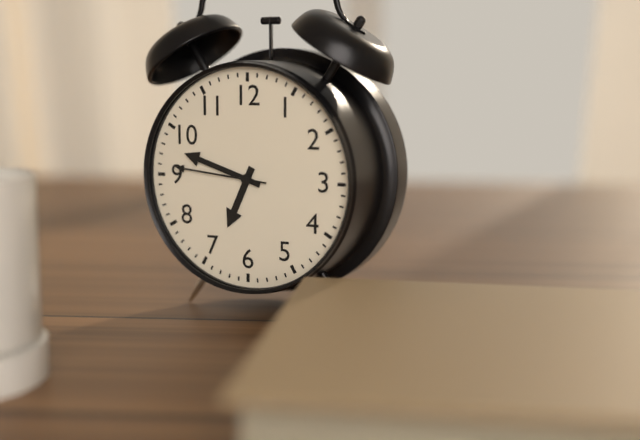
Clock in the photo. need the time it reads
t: 6:48:46
